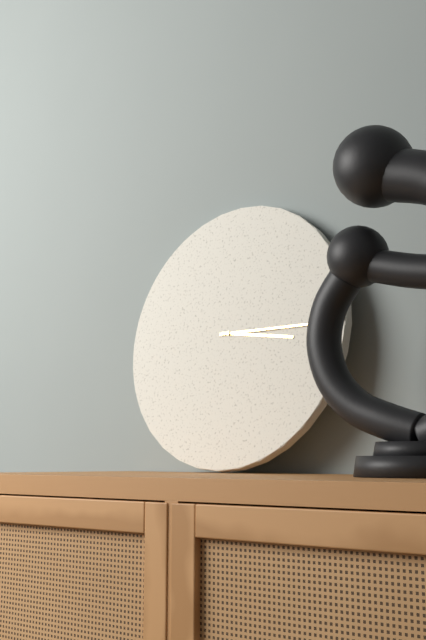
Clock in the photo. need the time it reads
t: 3:15
